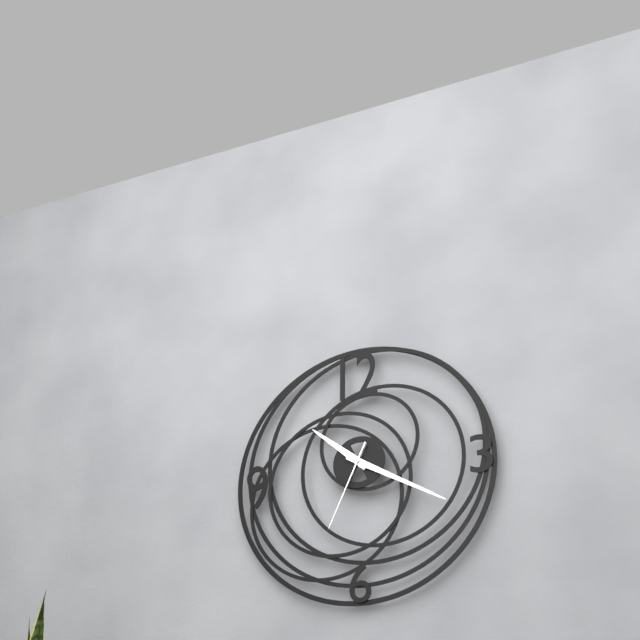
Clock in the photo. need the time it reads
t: 10:20:34
